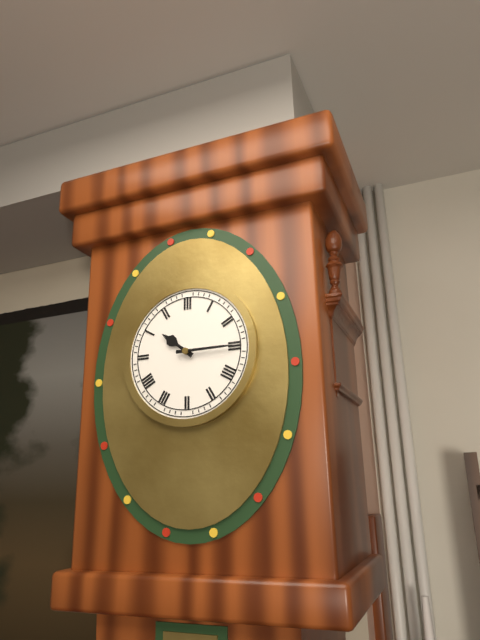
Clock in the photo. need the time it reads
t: 10:15
